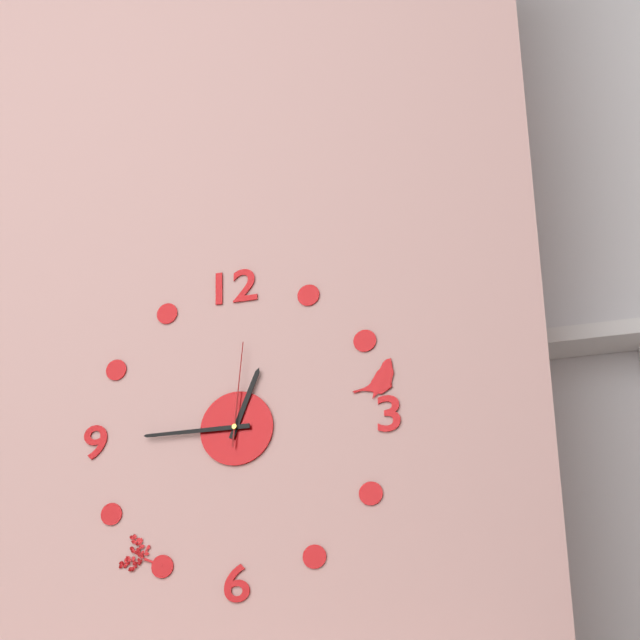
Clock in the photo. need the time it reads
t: 12:45:01
